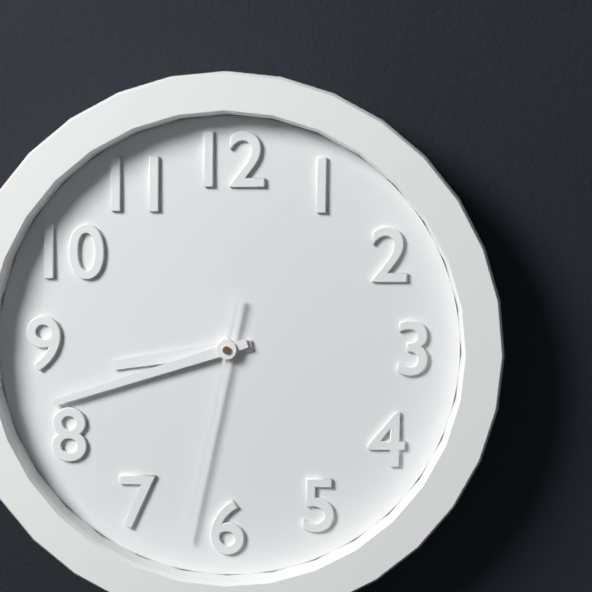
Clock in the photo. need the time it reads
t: 8:42:32
